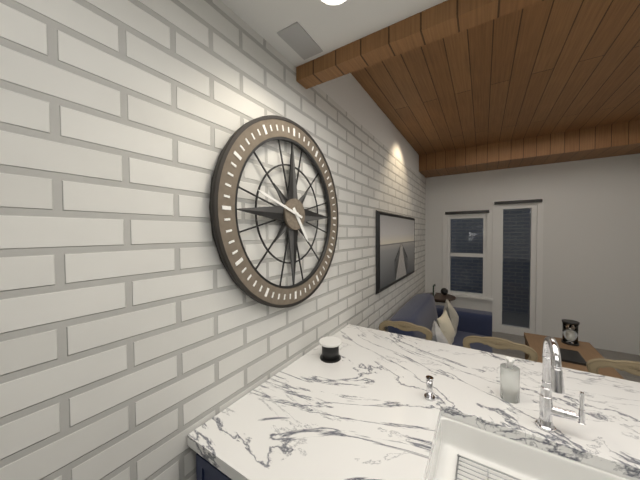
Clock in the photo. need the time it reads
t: 4:48
